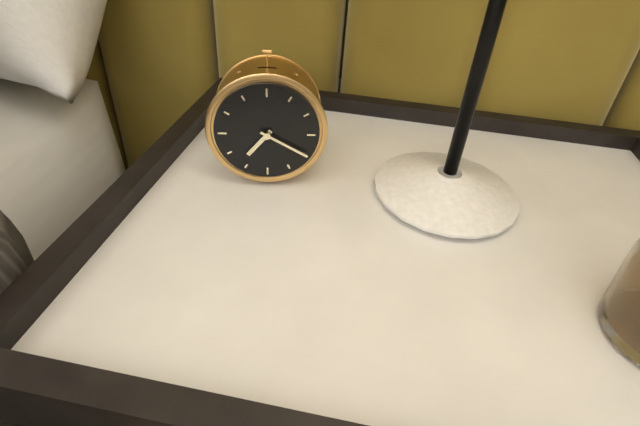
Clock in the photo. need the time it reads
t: 7:20
